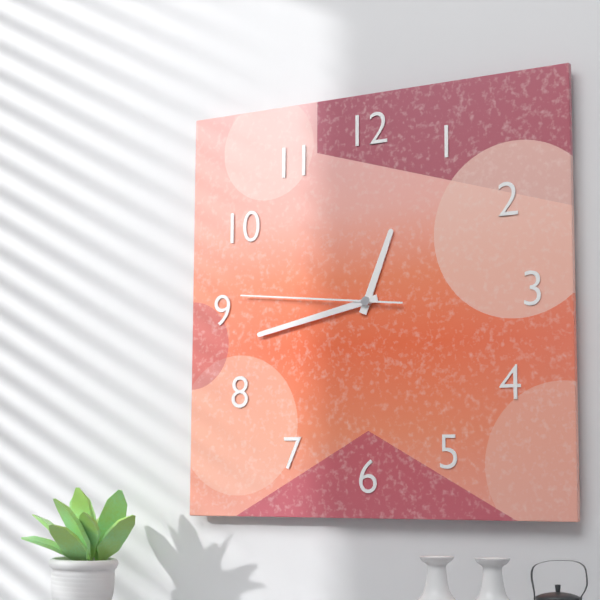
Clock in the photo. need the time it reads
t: 12:43:46
